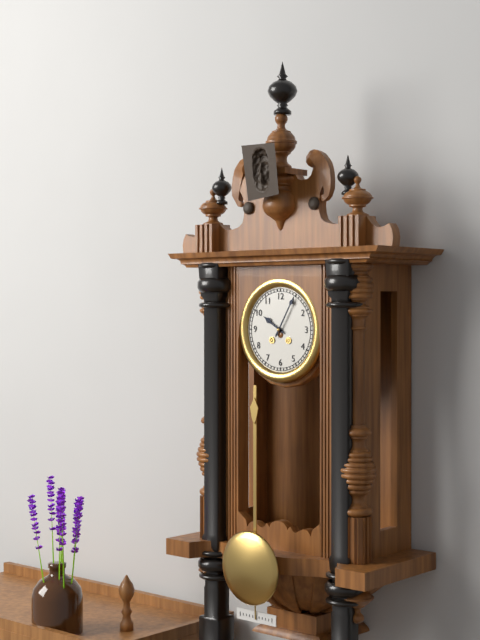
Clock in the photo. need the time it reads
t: 10:05
